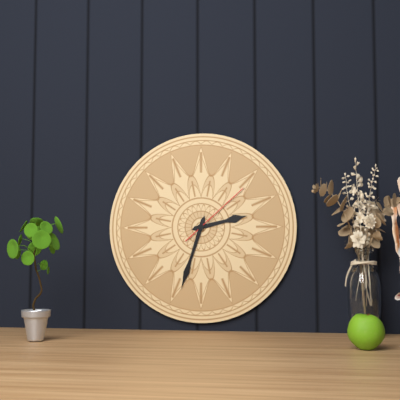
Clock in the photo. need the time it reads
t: 2:33:08
